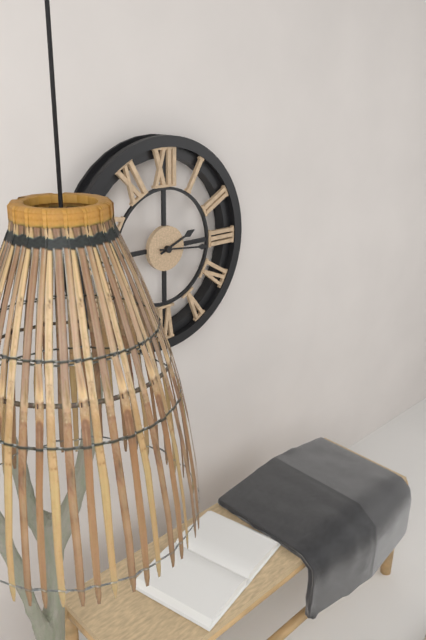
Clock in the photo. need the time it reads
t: 2:16
